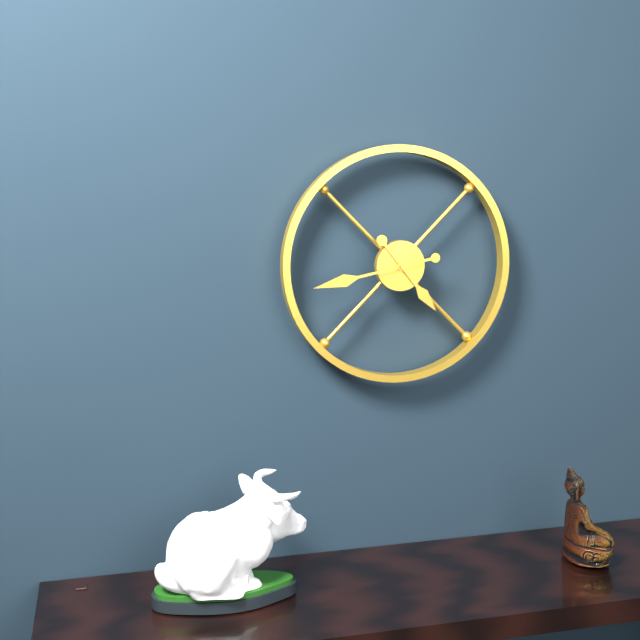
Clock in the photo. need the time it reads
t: 4:43
